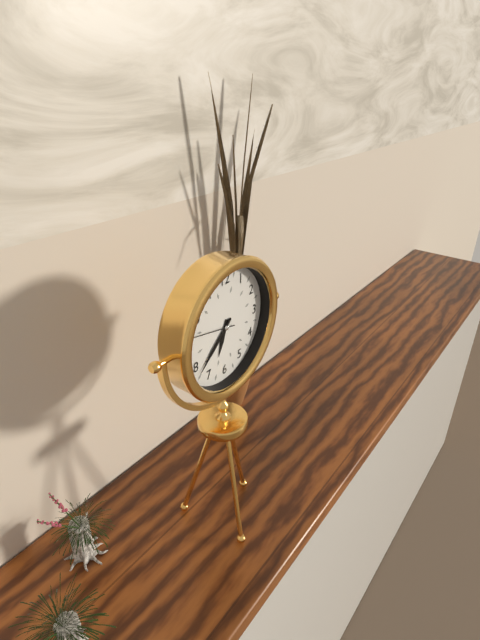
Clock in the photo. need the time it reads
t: 6:38
